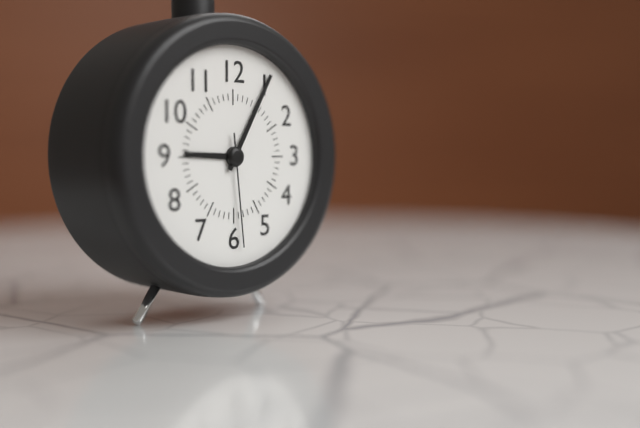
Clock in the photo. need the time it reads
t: 9:05:29
